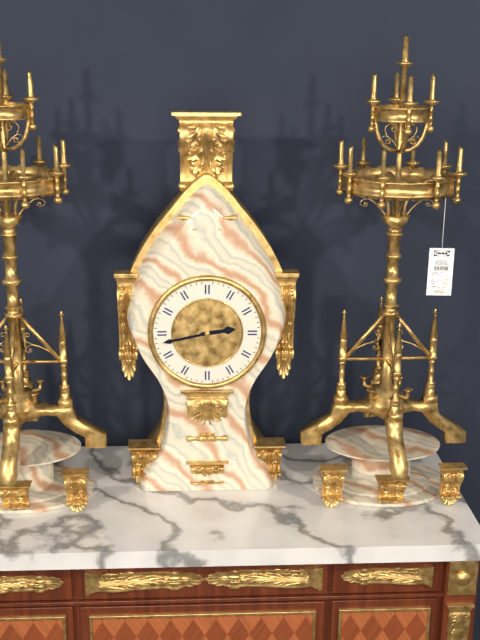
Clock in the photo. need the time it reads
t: 2:43
